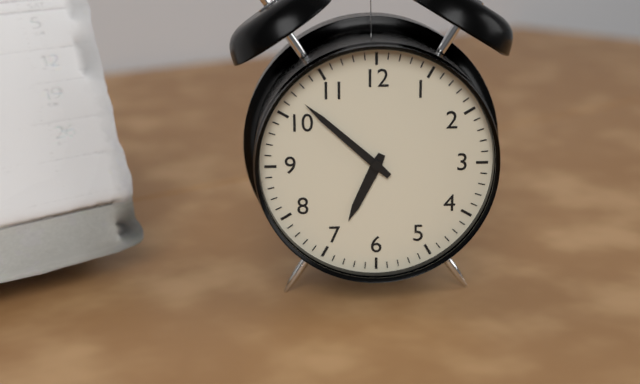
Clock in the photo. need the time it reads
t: 6:52
